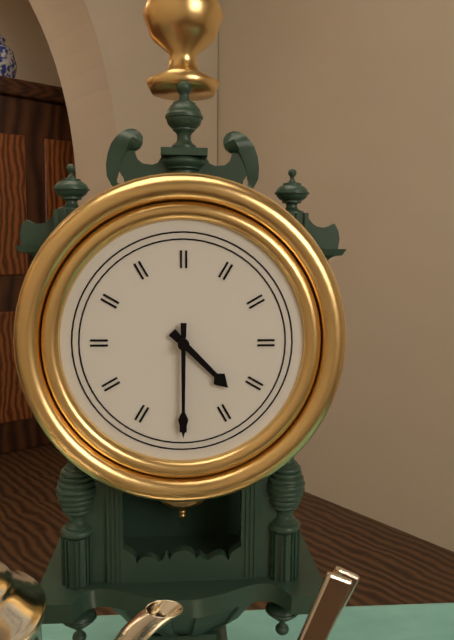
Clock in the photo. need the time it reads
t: 4:30
